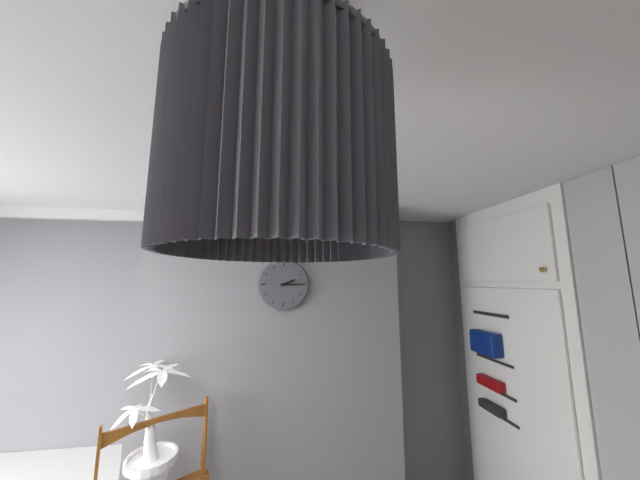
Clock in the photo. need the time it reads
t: 2:15
